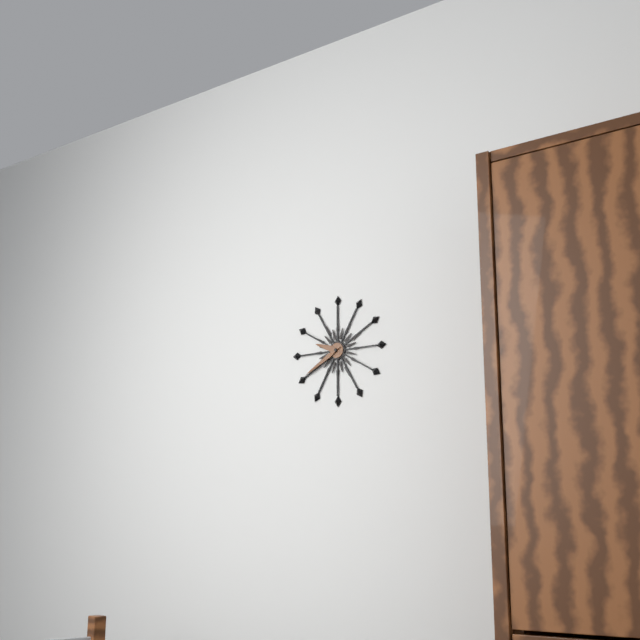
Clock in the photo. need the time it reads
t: 9:40
